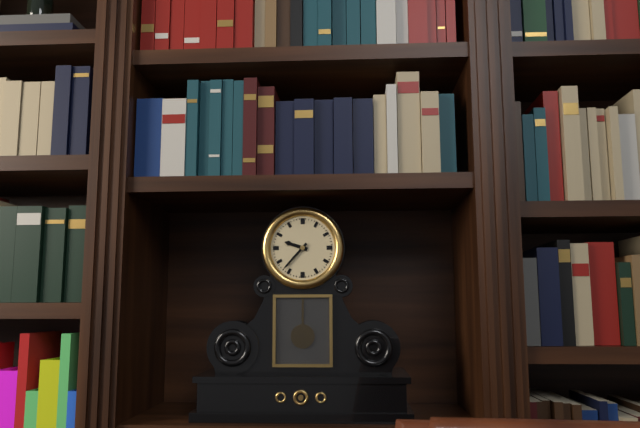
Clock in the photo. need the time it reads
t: 9:37
